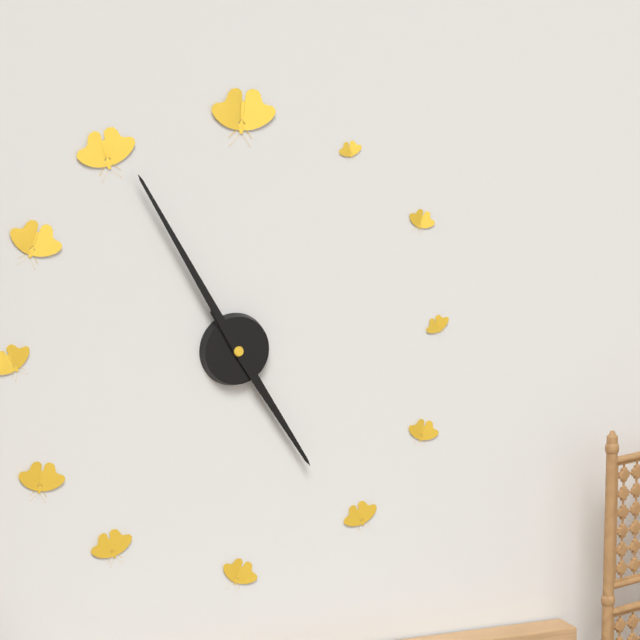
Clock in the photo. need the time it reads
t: 4:55
